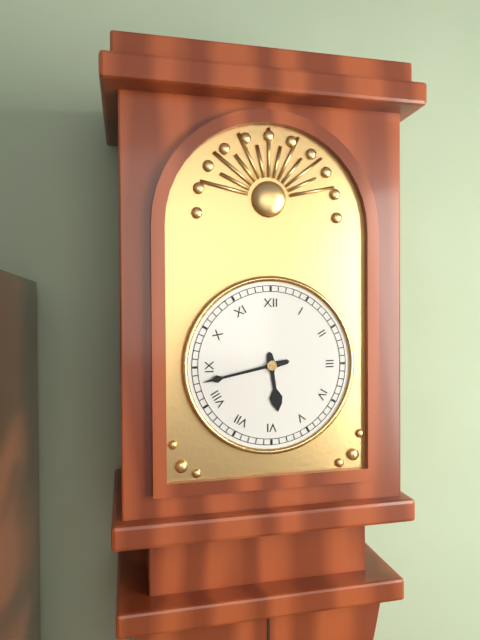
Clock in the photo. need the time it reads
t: 5:43
